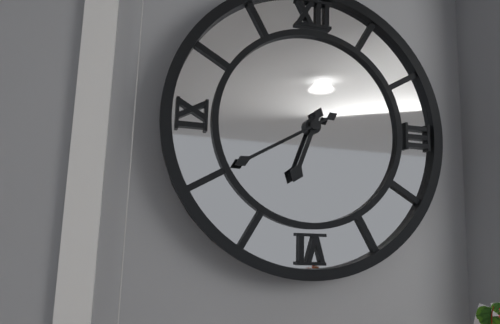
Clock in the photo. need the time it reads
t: 6:40
